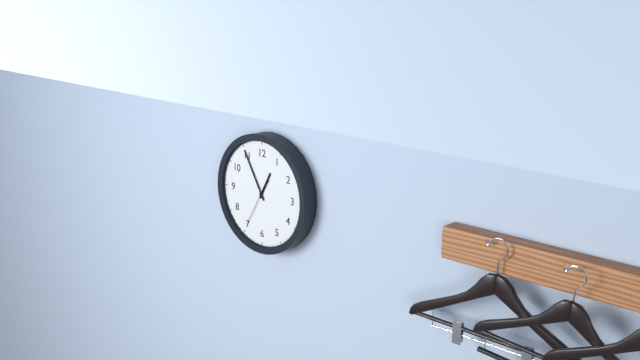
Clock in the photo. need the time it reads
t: 12:55:35
